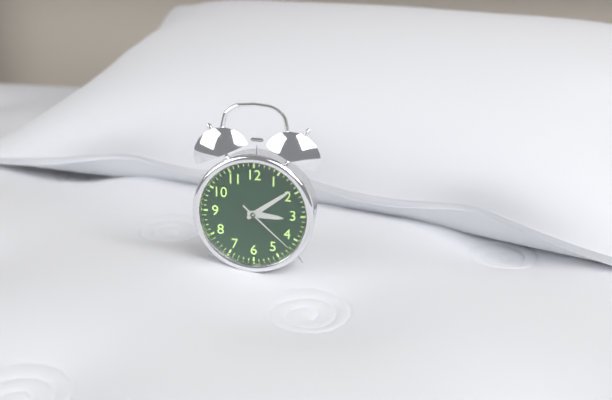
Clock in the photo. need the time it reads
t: 3:09:22
